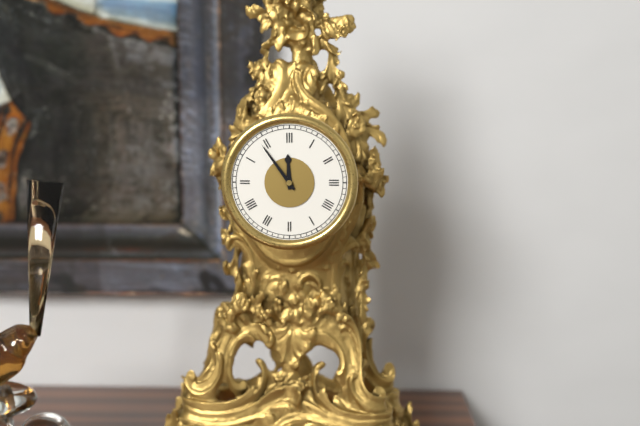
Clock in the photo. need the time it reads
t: 11:54
